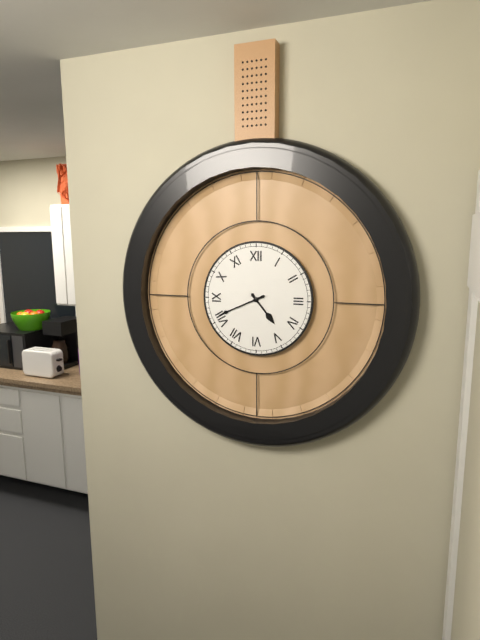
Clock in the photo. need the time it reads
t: 4:41
